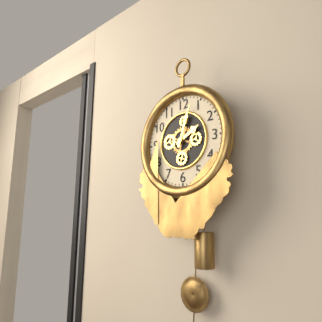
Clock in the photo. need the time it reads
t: 2:03
